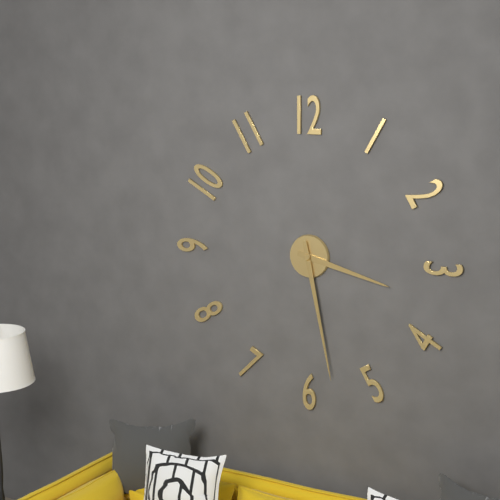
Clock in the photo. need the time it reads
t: 3:28
